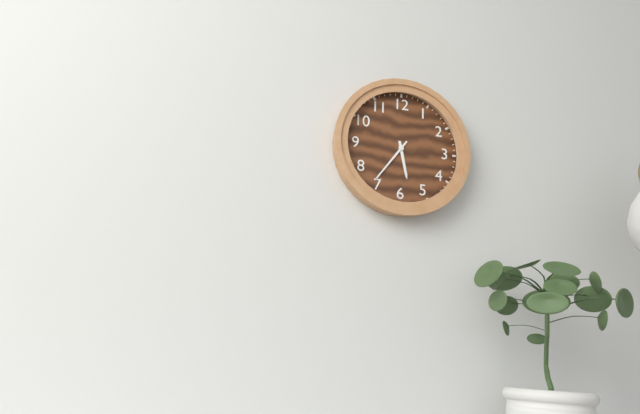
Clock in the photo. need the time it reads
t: 5:36
